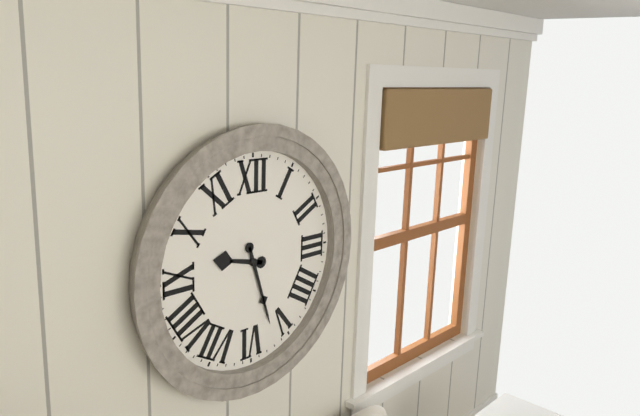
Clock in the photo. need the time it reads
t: 9:27
